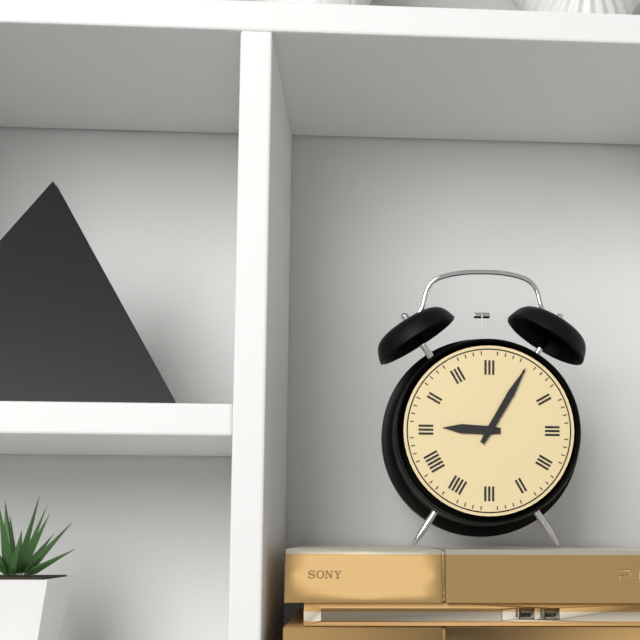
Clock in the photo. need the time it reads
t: 9:05
